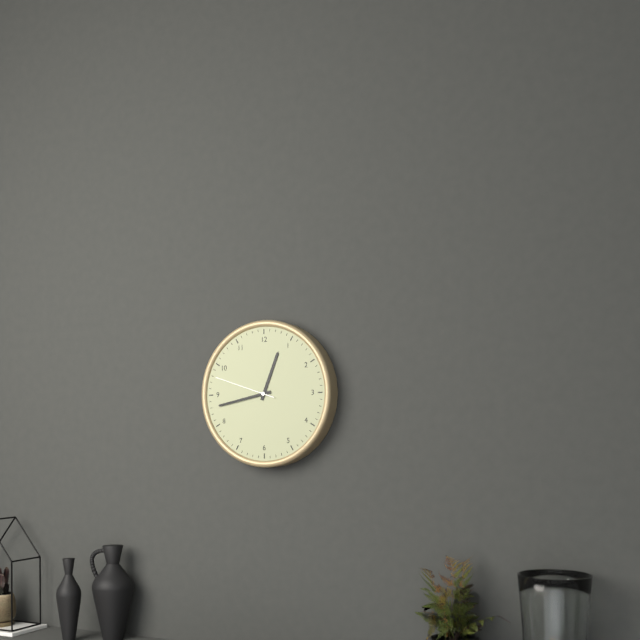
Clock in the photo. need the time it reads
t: 12:43:48
